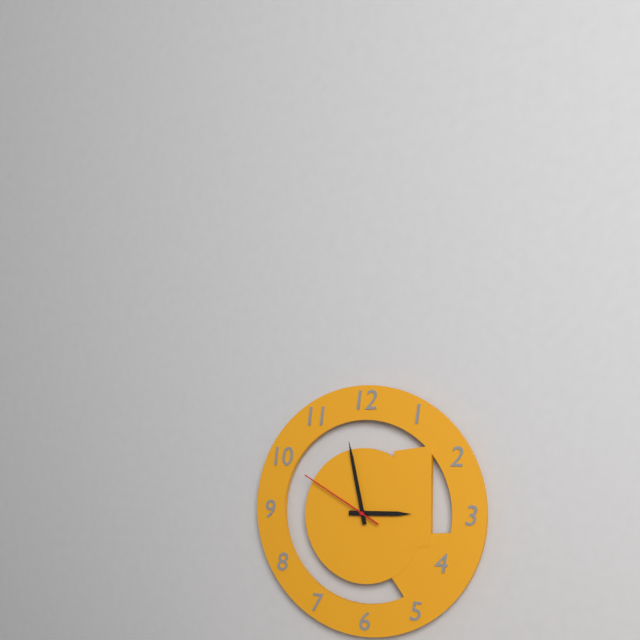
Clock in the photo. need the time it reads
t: 2:58:50
